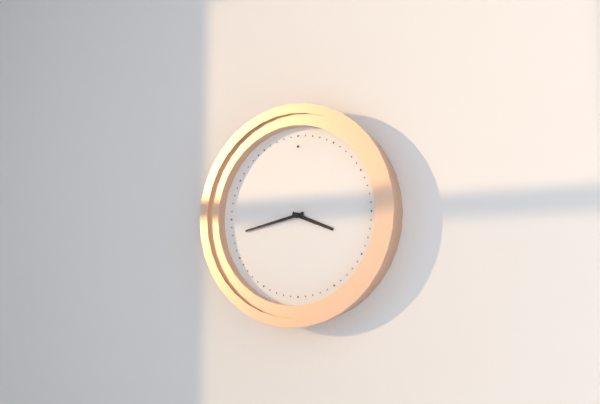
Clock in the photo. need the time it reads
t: 3:43
